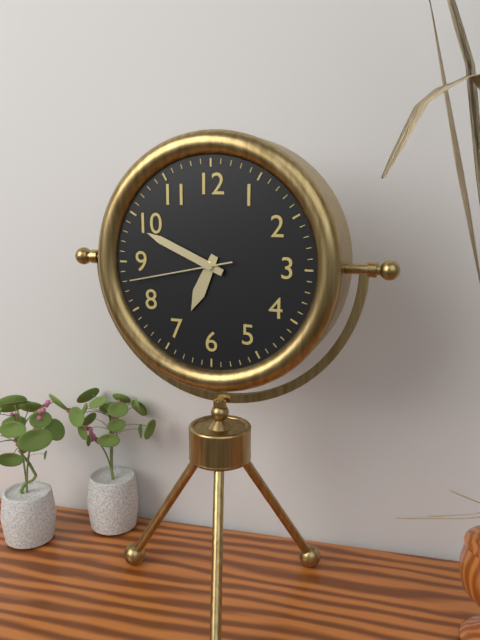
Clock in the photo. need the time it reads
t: 6:49:43
